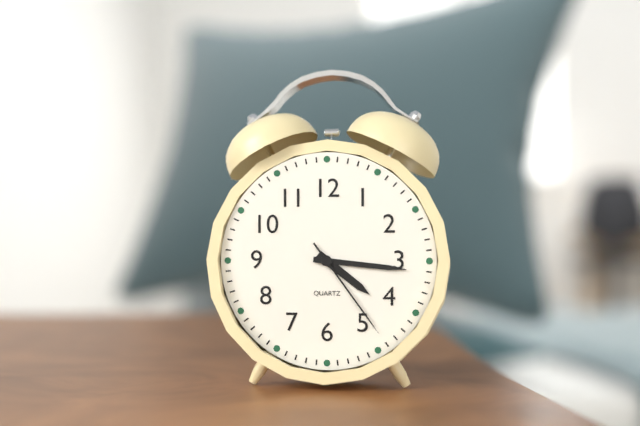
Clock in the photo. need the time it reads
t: 4:16:24
